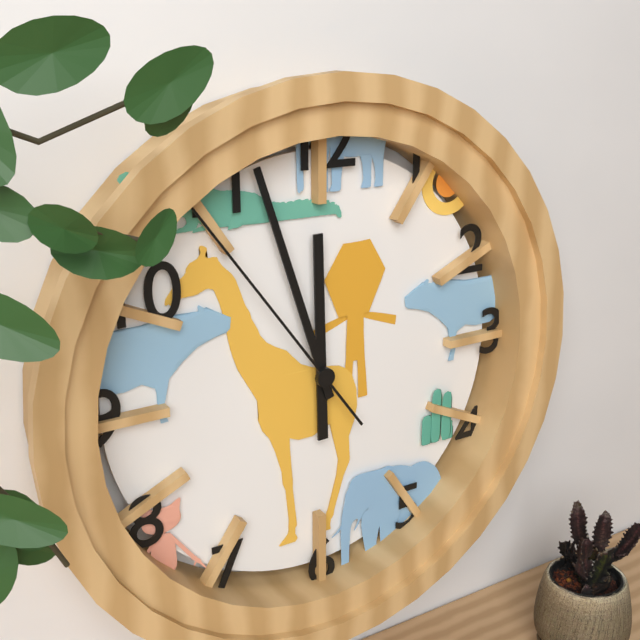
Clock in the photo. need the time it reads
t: 11:57:54
